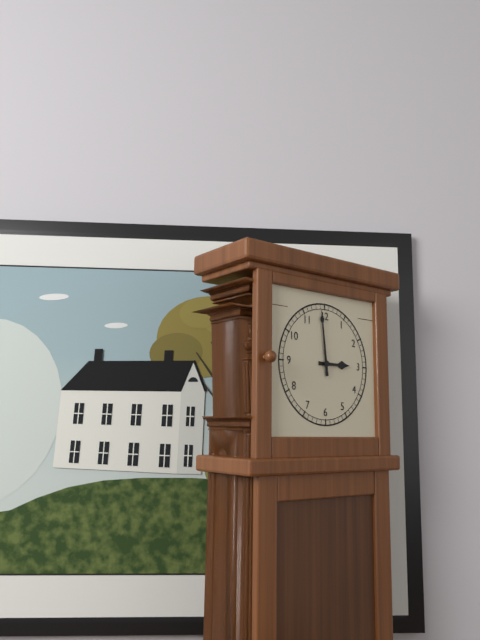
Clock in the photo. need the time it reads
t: 2:59
